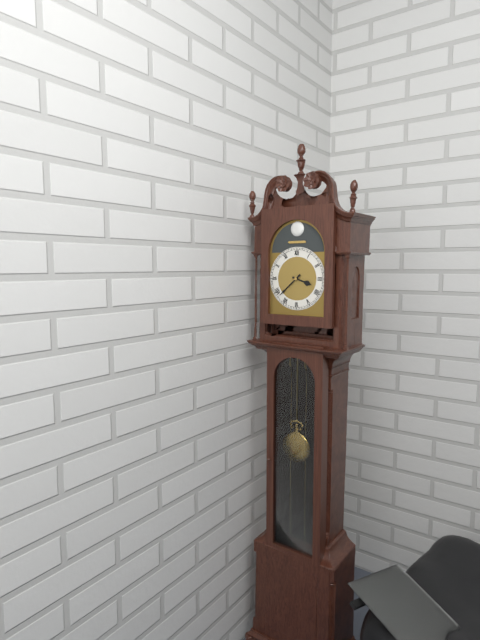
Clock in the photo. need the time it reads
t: 3:38
